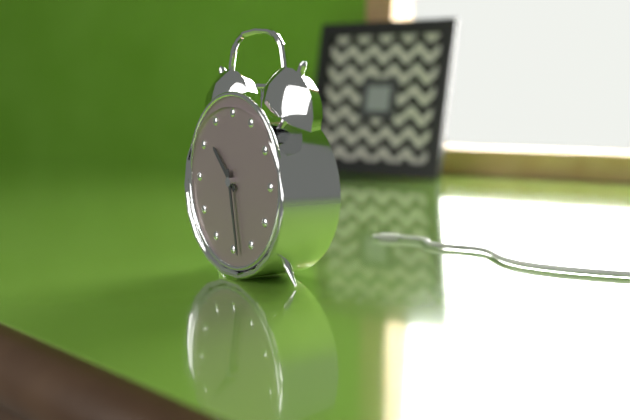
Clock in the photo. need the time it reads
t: 10:28
